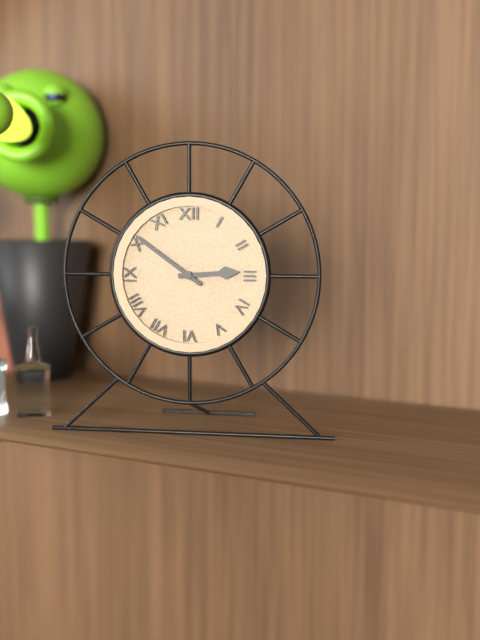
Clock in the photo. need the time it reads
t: 2:51
